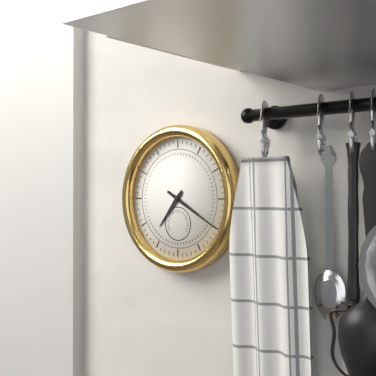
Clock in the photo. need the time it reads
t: 7:20
